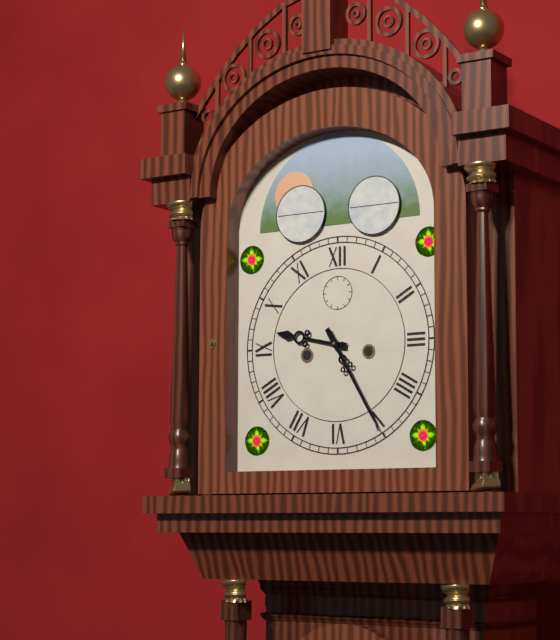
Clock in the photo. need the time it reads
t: 9:25
